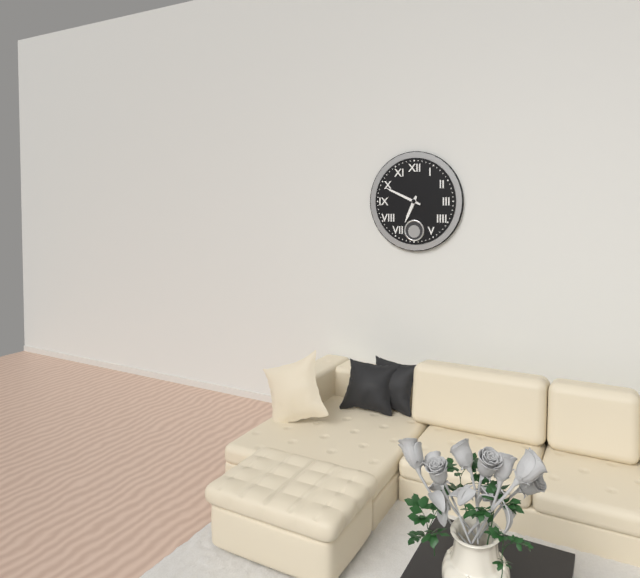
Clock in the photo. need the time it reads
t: 6:49
